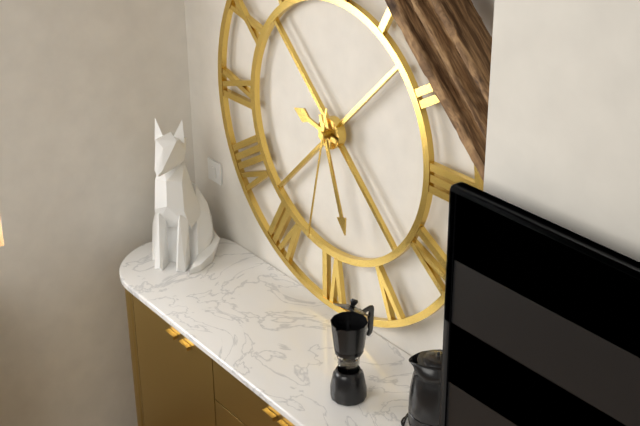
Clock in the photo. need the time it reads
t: 9:27:32
